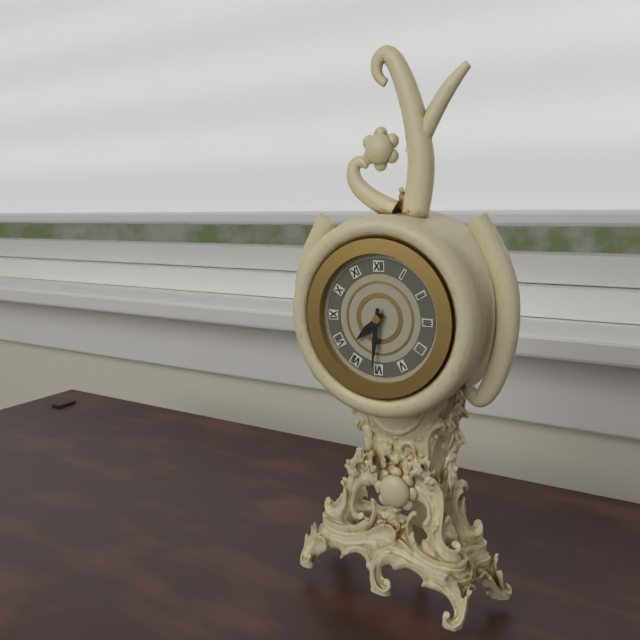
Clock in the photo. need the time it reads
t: 7:31
